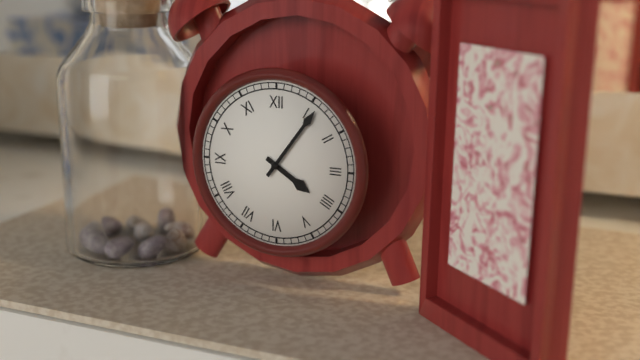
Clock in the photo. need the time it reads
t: 4:06
